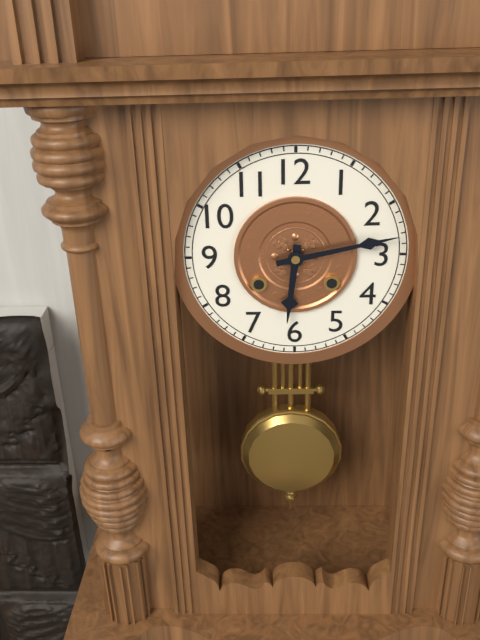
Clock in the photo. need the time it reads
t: 6:13
